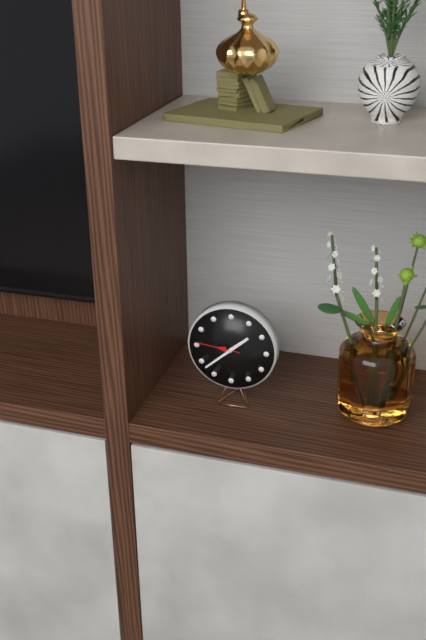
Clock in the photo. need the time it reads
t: 1:38
